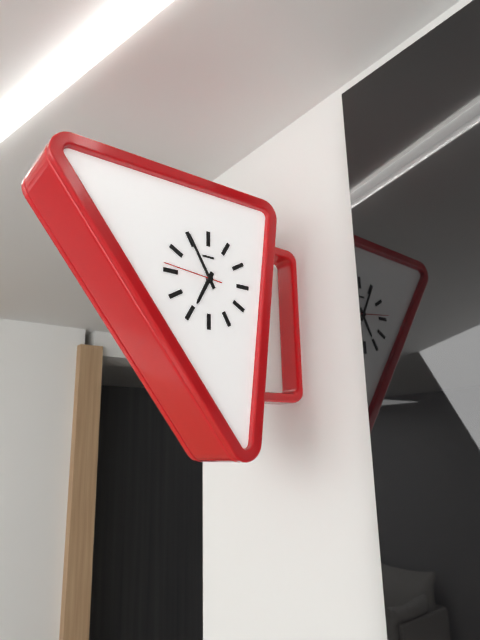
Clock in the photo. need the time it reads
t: 6:55:46
